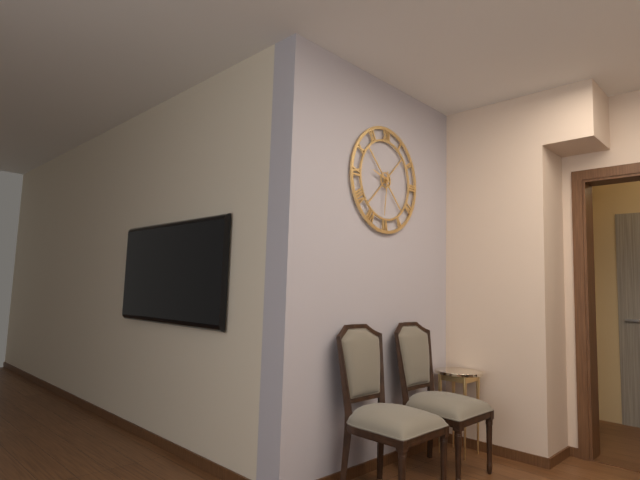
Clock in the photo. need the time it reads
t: 9:31
